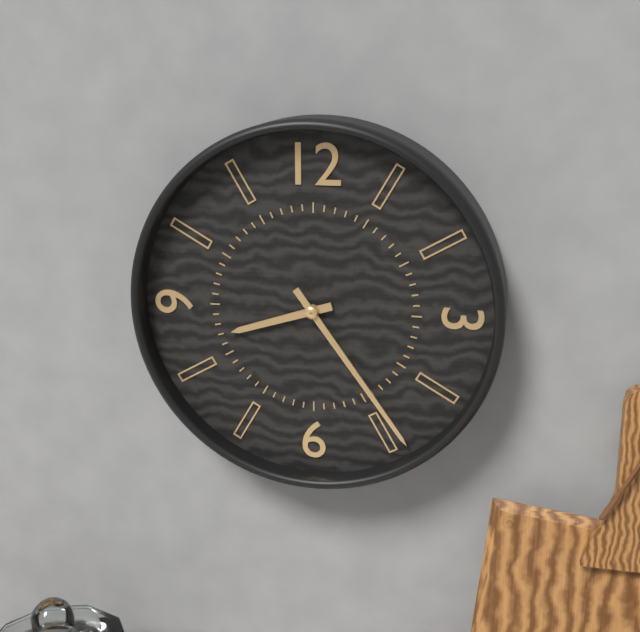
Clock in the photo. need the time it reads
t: 8:24
